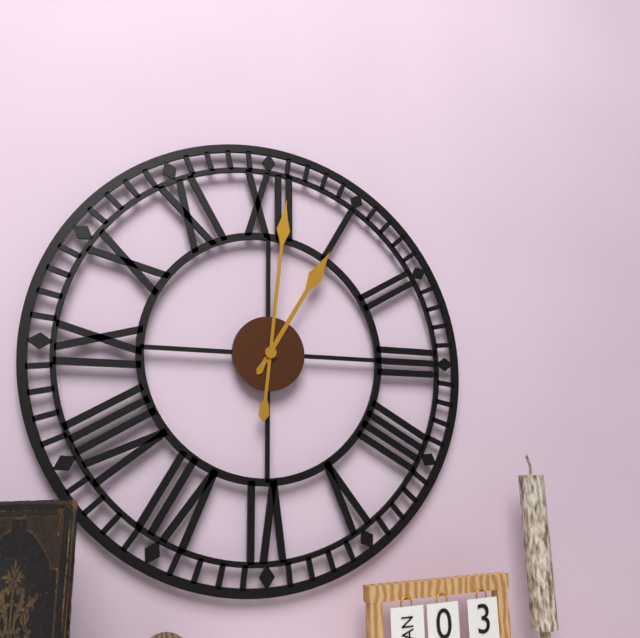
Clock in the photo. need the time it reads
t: 1:01
